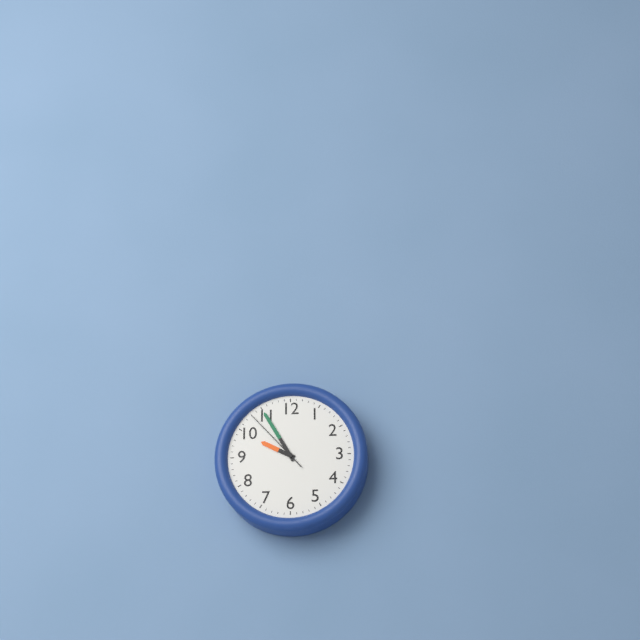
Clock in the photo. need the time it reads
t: 9:55:53
